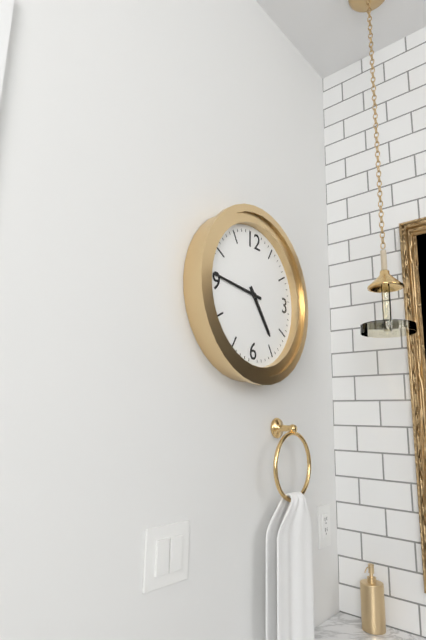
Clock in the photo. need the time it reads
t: 4:46
